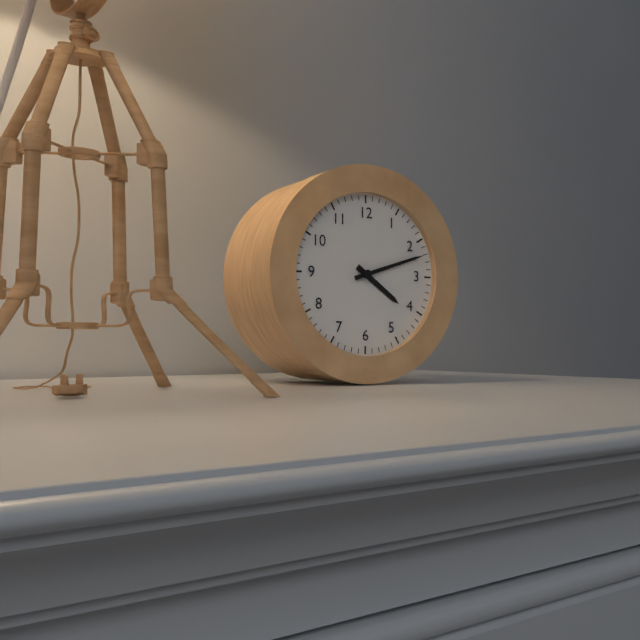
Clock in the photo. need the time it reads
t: 4:12
